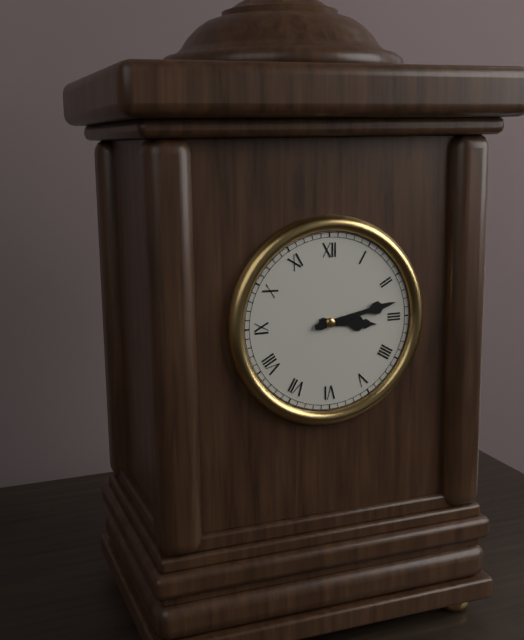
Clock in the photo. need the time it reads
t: 3:13
